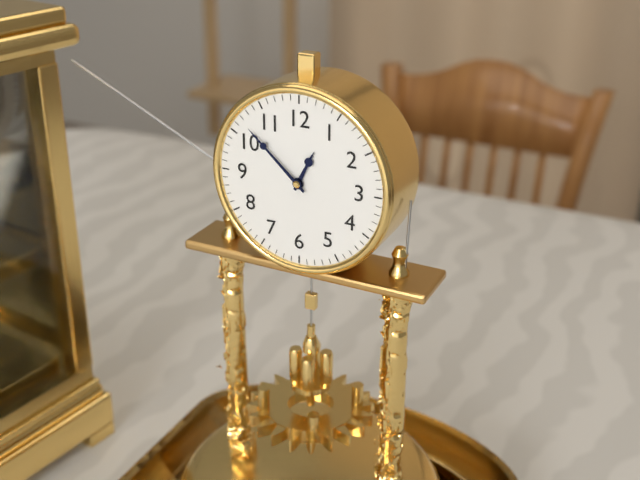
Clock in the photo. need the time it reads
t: 12:52
